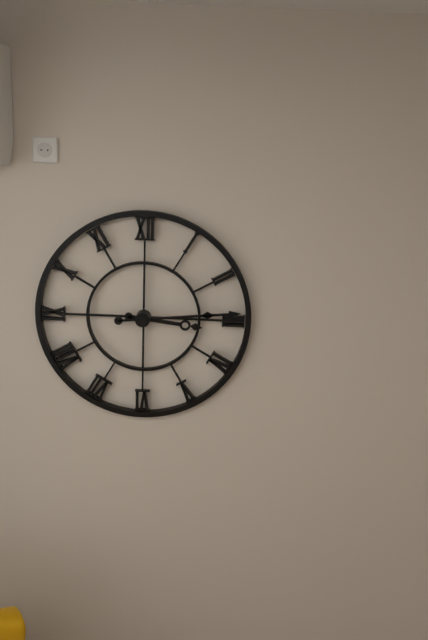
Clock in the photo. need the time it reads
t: 3:14
